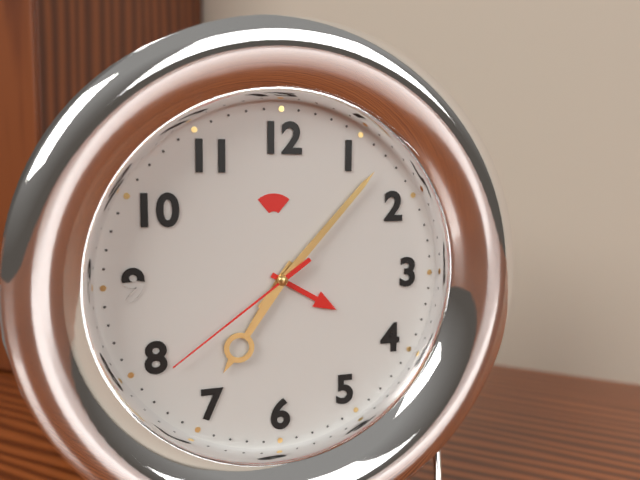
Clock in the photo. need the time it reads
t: 7:07:39
